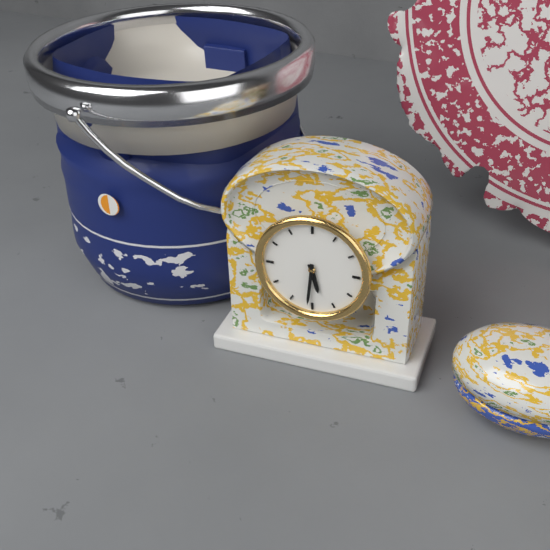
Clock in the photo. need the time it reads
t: 5:31
